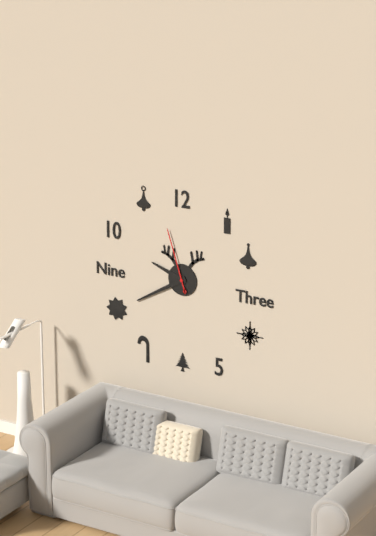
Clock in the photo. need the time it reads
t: 9:40:57
